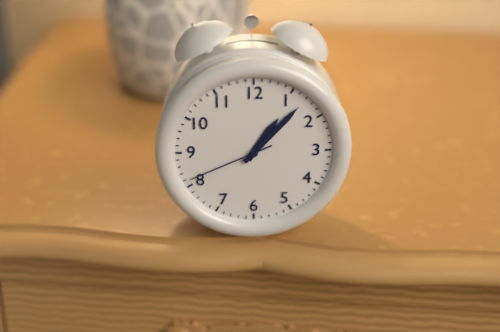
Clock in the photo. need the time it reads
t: 1:07:41
